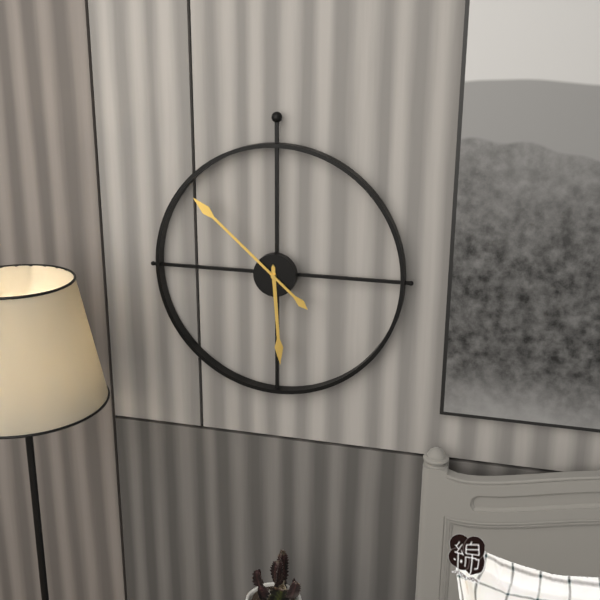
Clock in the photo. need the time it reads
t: 5:52
